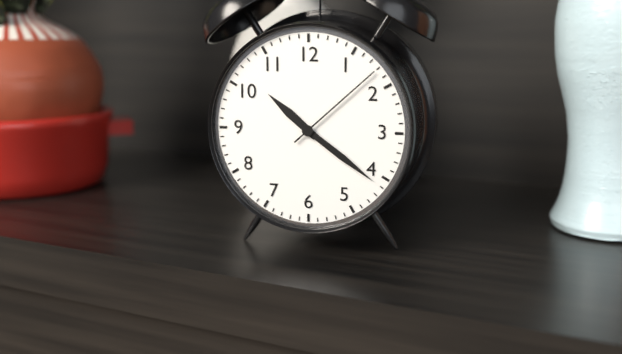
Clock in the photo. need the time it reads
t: 10:21:08
